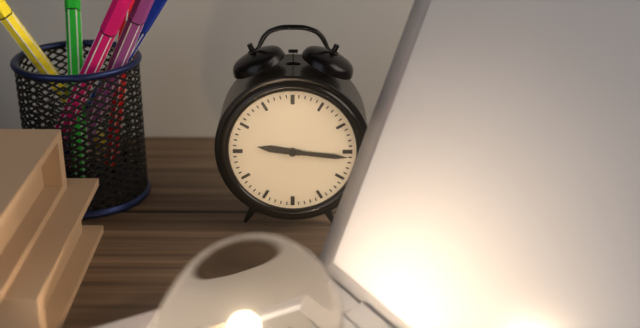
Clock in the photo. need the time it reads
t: 9:16
